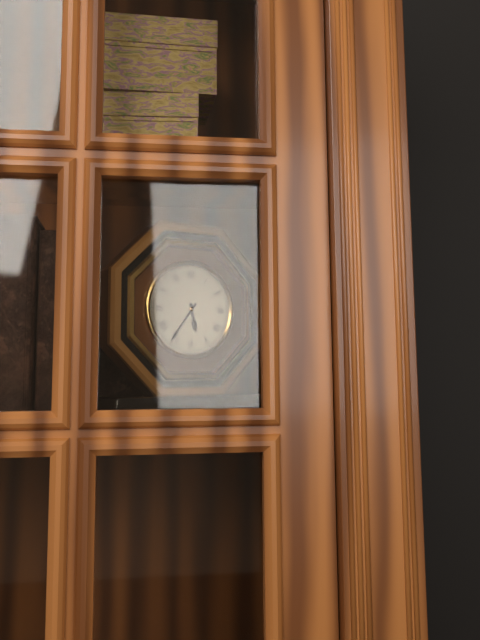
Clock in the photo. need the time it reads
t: 5:36
